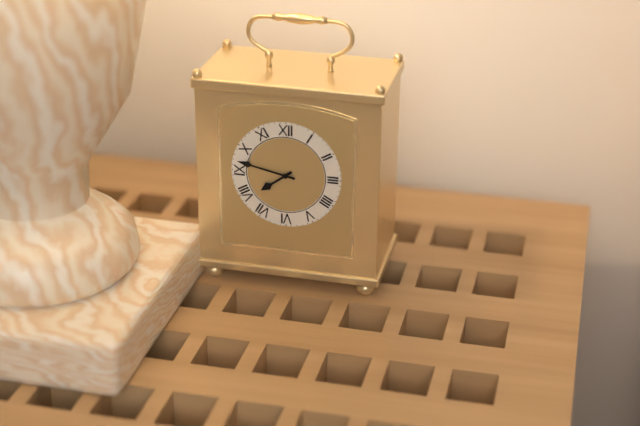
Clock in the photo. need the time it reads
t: 7:47
